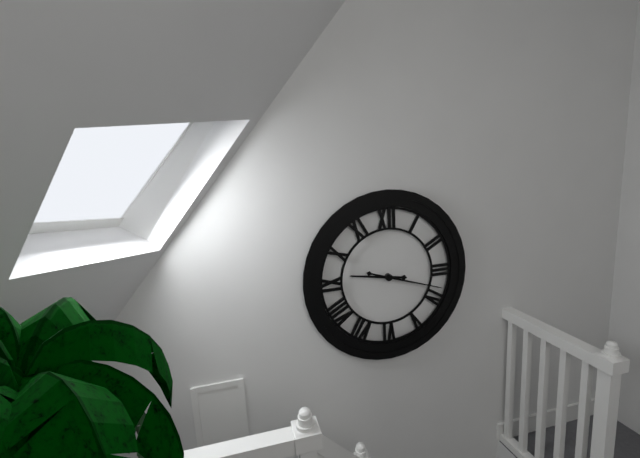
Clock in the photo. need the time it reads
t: 9:18
